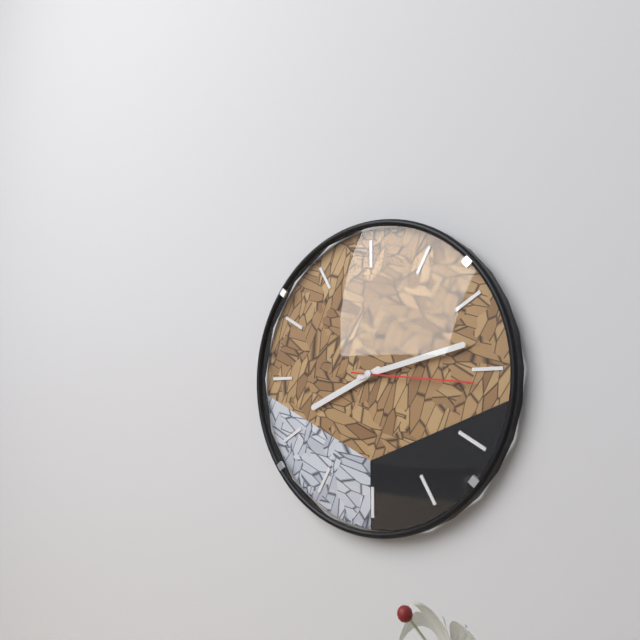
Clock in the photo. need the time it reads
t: 8:13:16
